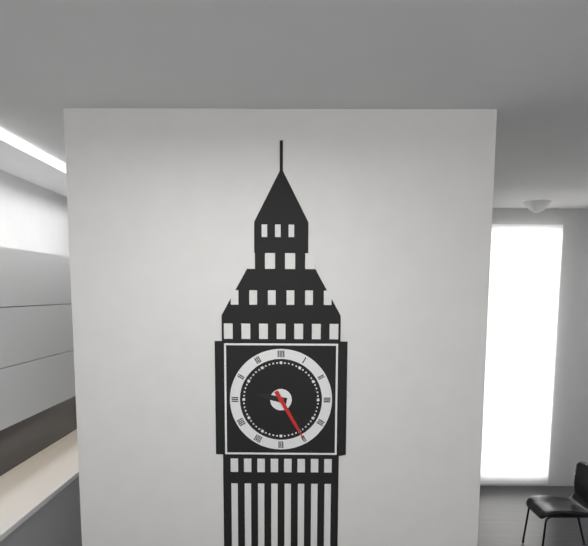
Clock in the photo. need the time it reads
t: 9:25
